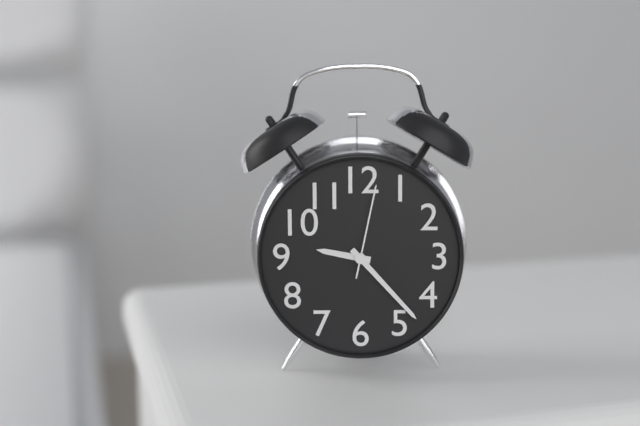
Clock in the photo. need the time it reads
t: 9:23:02
